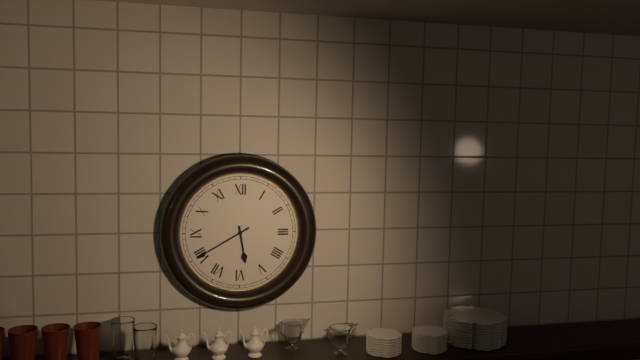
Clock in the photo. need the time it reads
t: 5:40
